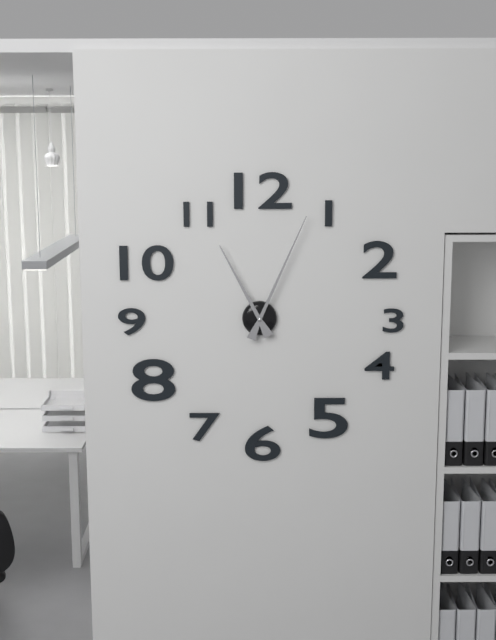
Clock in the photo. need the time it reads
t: 11:04
